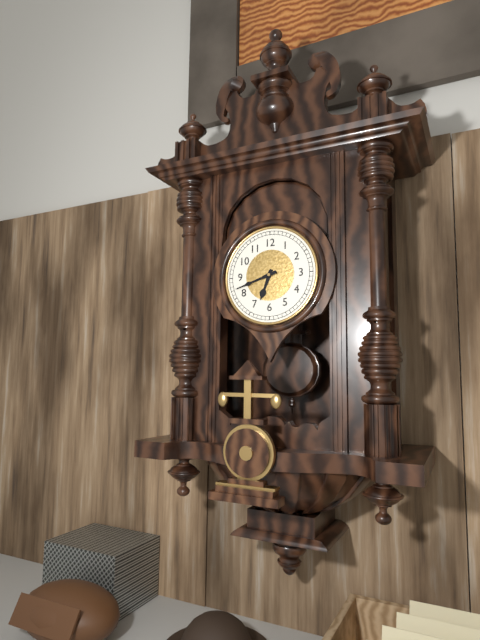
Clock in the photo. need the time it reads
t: 6:42
